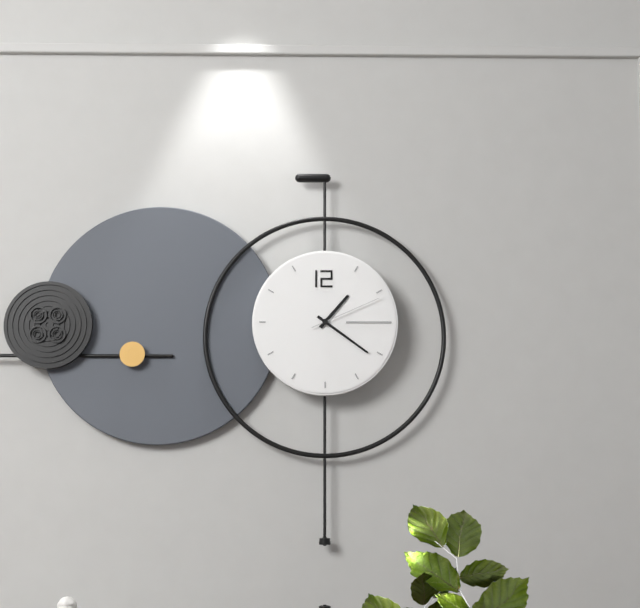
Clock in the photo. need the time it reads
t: 1:21:11
